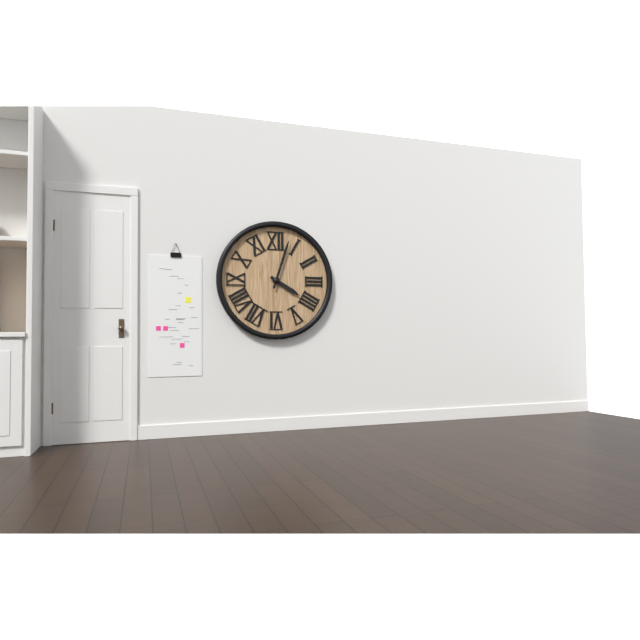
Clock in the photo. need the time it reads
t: 4:03
